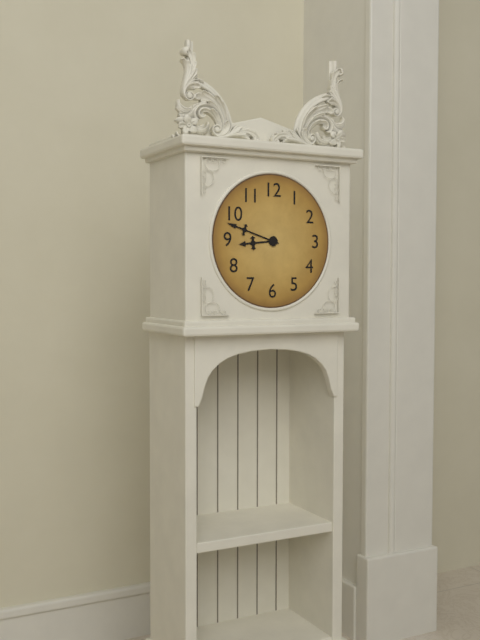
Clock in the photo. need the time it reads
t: 8:48
